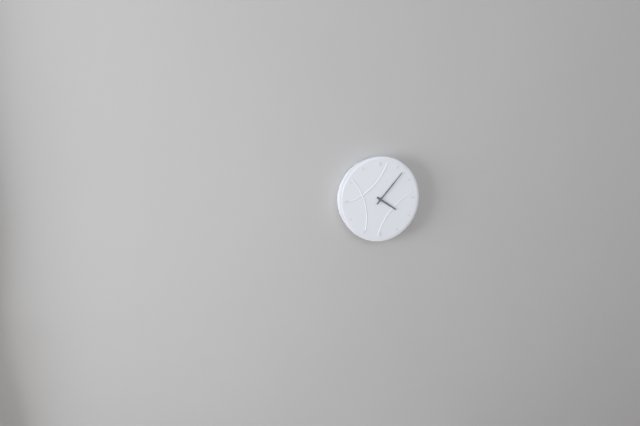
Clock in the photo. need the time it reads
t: 4:07
